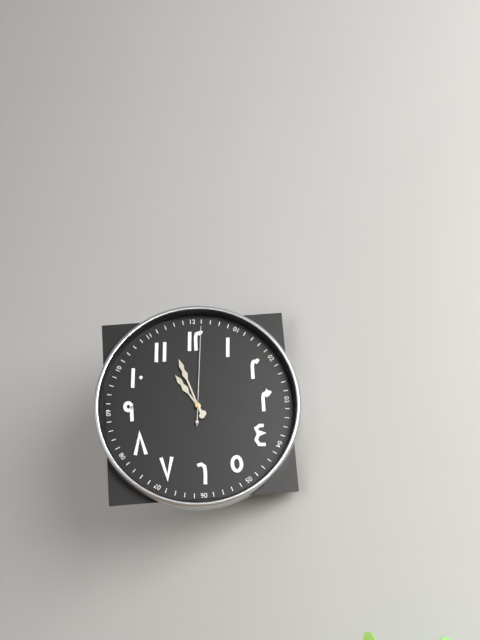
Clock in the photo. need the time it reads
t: 10:57:01
